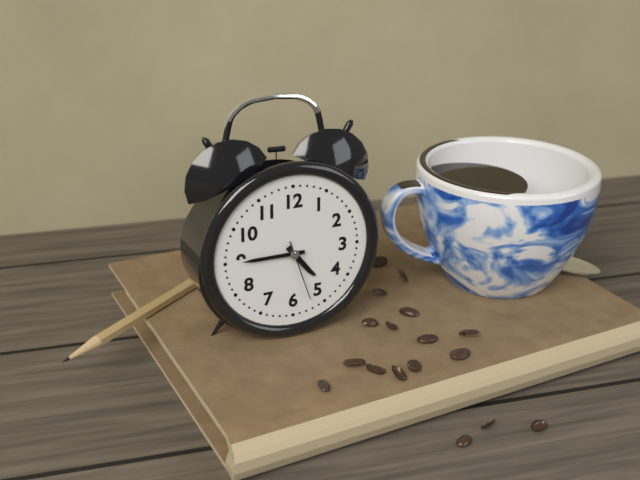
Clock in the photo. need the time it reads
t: 4:45:27
